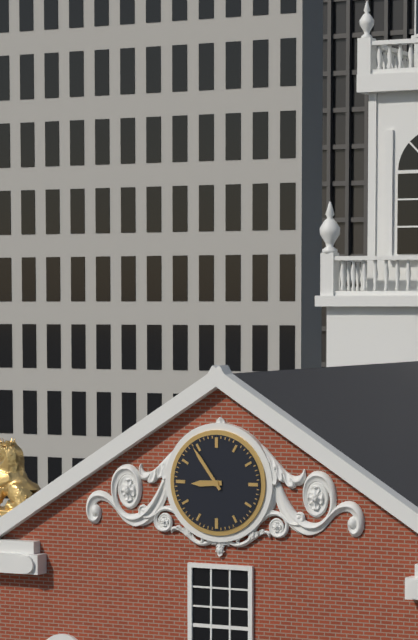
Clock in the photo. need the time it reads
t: 8:54
